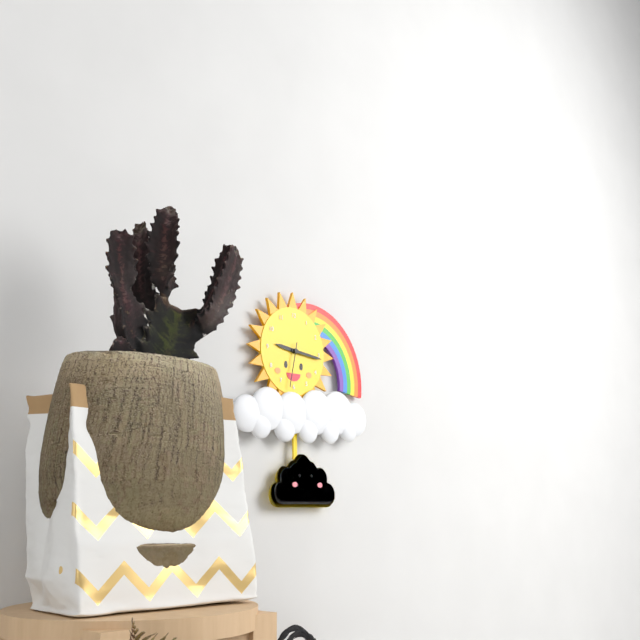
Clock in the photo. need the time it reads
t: 9:16
